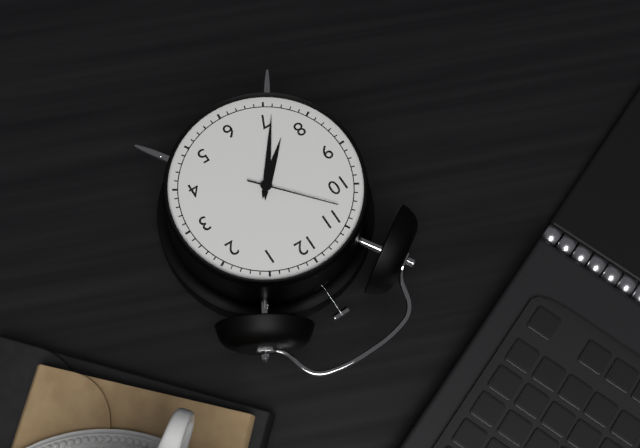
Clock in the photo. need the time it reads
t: 7:36:53
